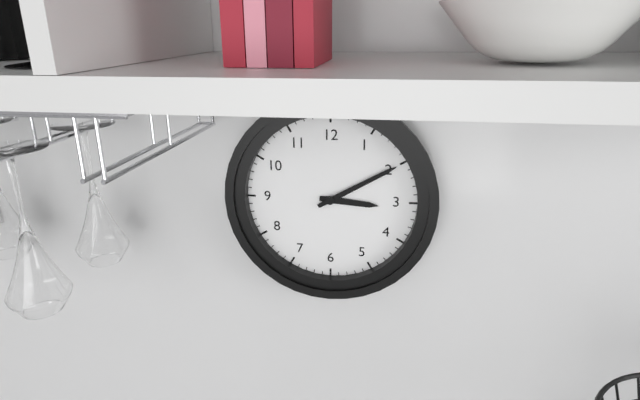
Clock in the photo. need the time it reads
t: 3:10
